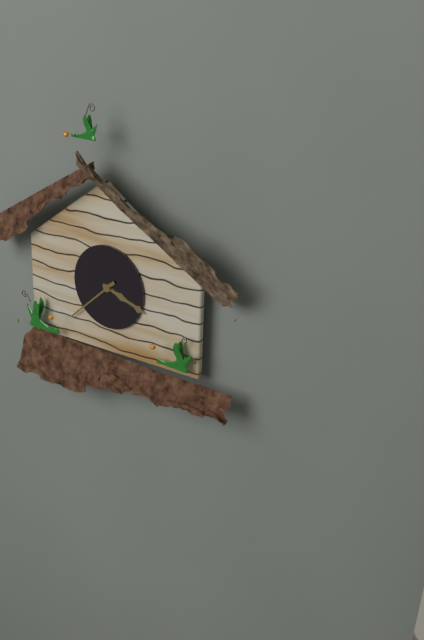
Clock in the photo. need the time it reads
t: 3:38
